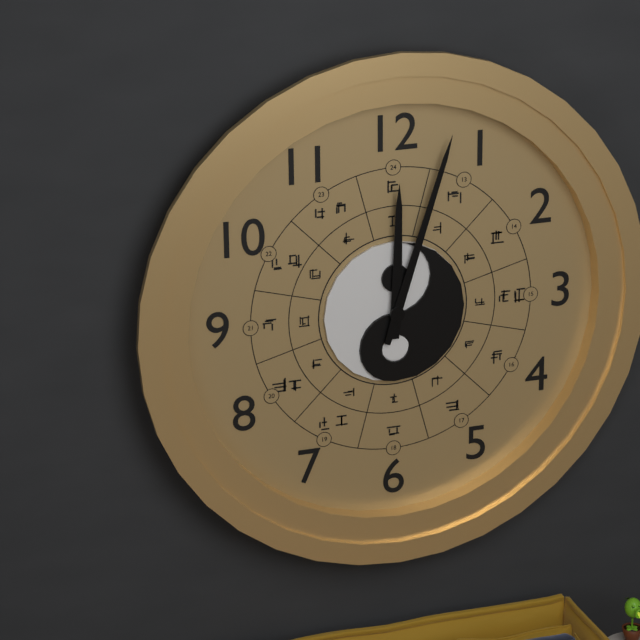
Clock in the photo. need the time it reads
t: 12:03
